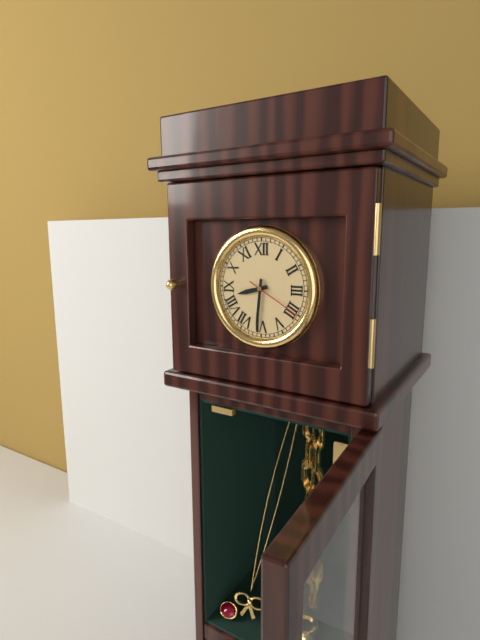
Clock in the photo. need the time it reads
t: 8:31:20
